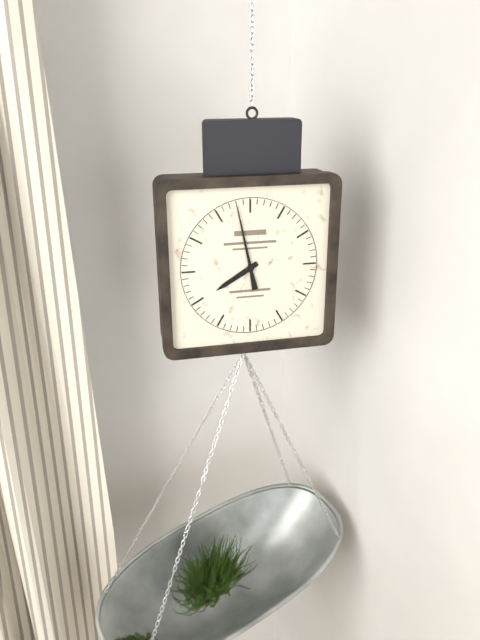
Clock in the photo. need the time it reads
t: 7:58
